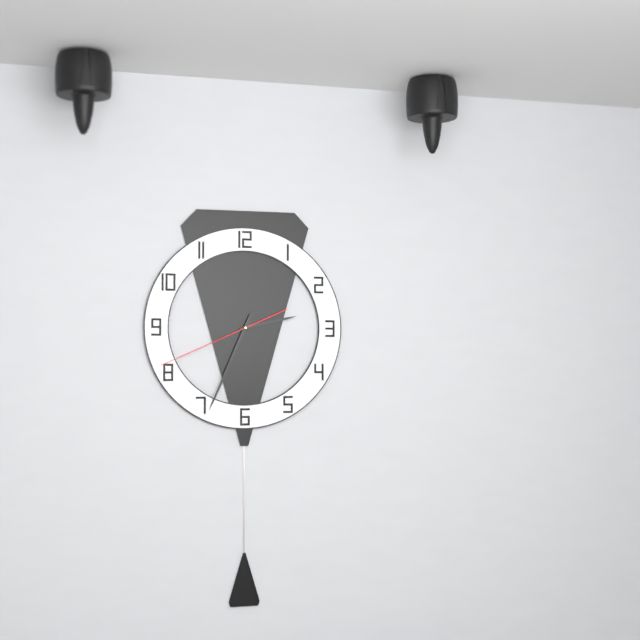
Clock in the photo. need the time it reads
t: 2:34:41
